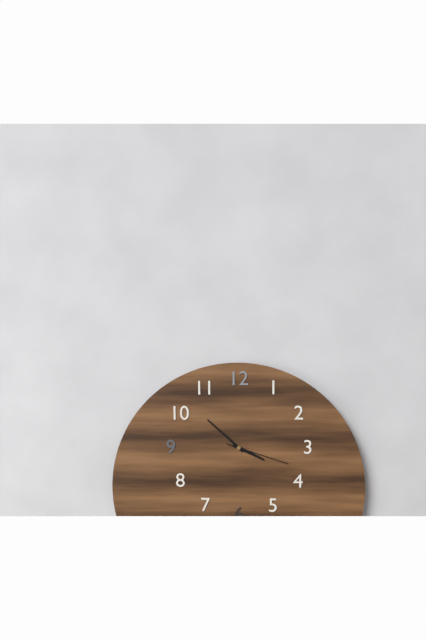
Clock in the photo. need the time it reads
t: 3:52:18
